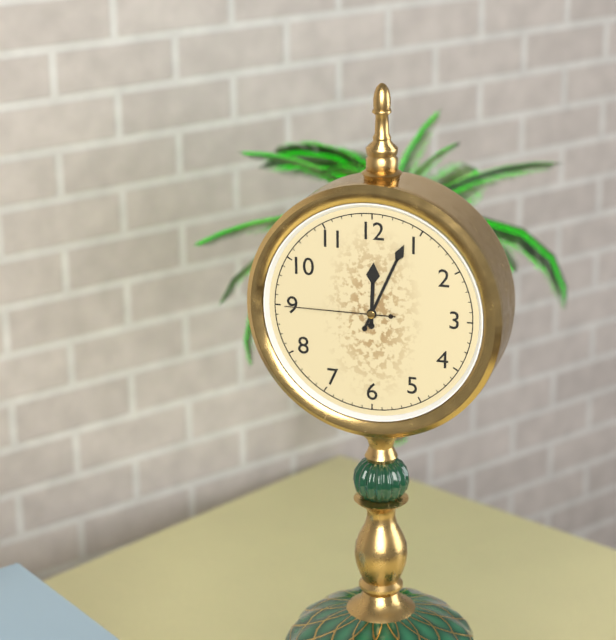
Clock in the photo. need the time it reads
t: 12:04:45
